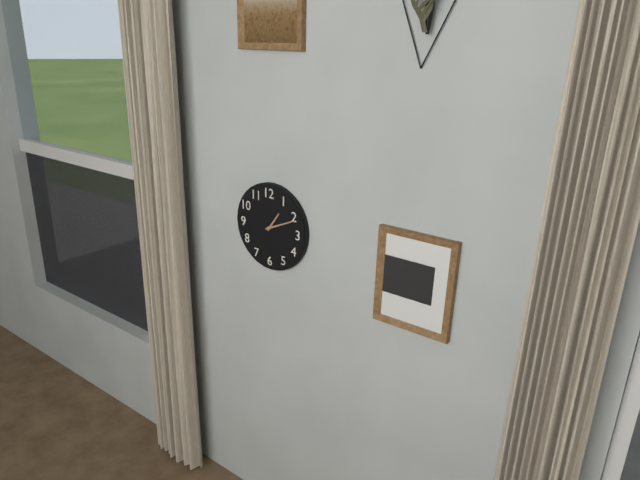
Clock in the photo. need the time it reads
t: 1:11
